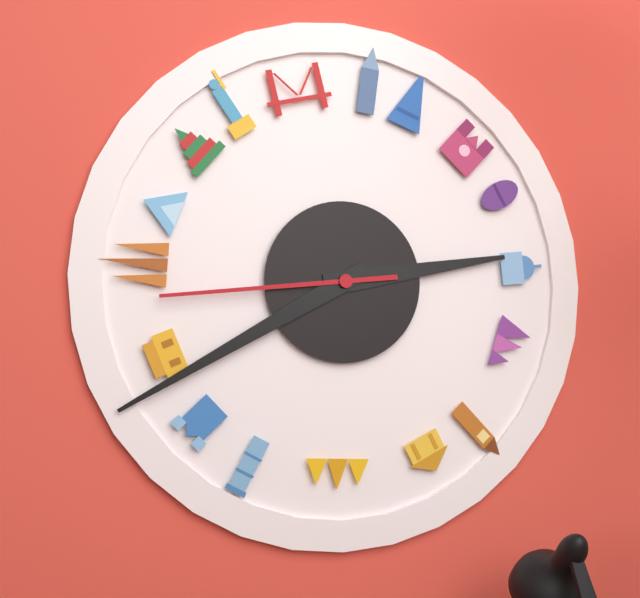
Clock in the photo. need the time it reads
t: 2:40:44
